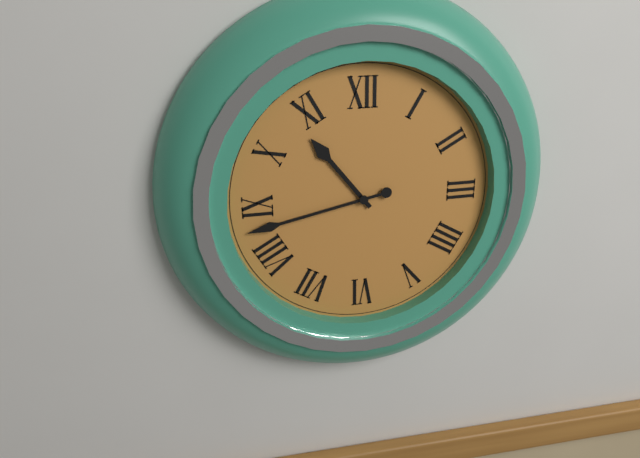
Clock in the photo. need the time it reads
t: 10:43
